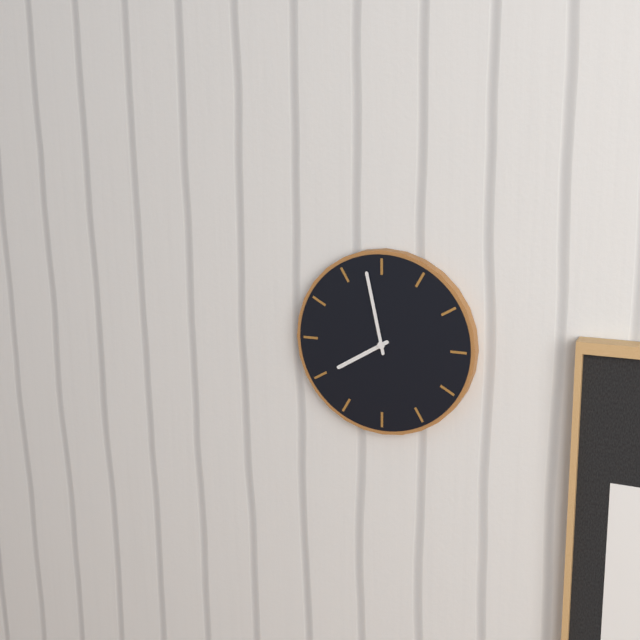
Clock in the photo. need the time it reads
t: 7:58
